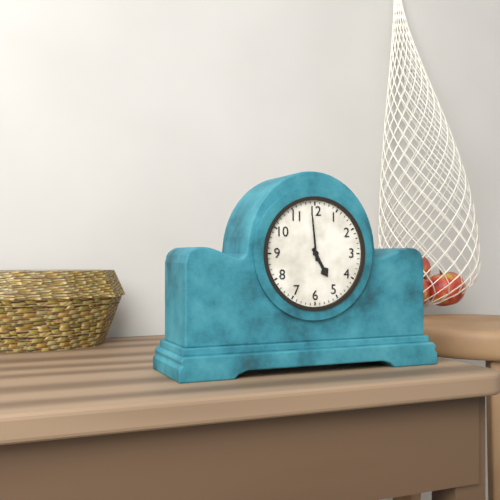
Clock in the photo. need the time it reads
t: 4:59
